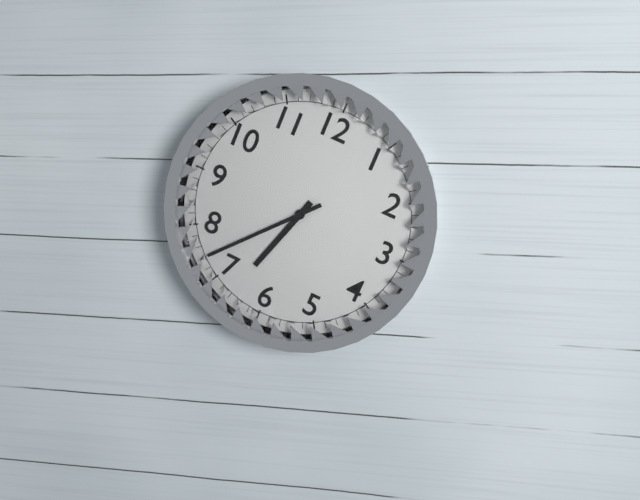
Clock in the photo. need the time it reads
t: 6:37
